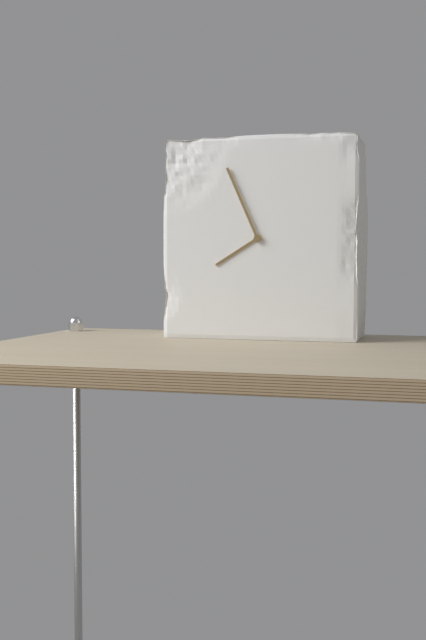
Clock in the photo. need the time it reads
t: 7:56
